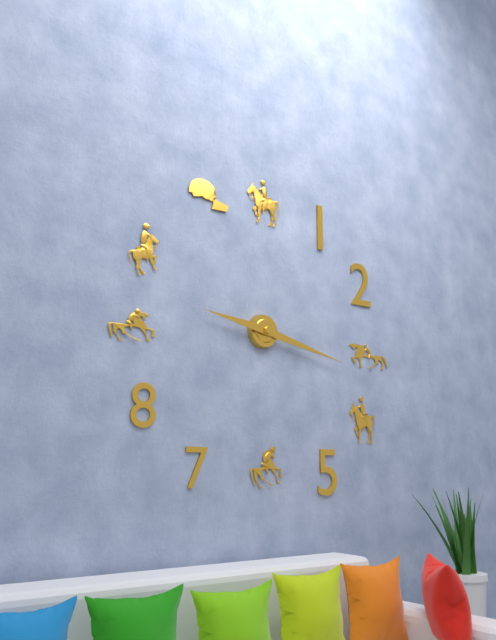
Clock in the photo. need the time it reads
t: 9:17
